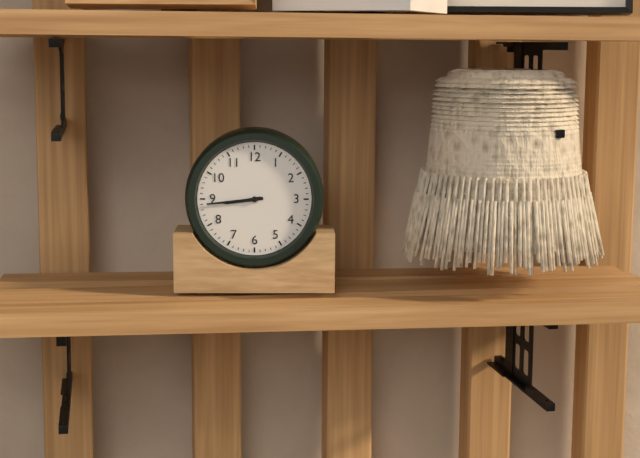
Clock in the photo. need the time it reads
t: 8:44
